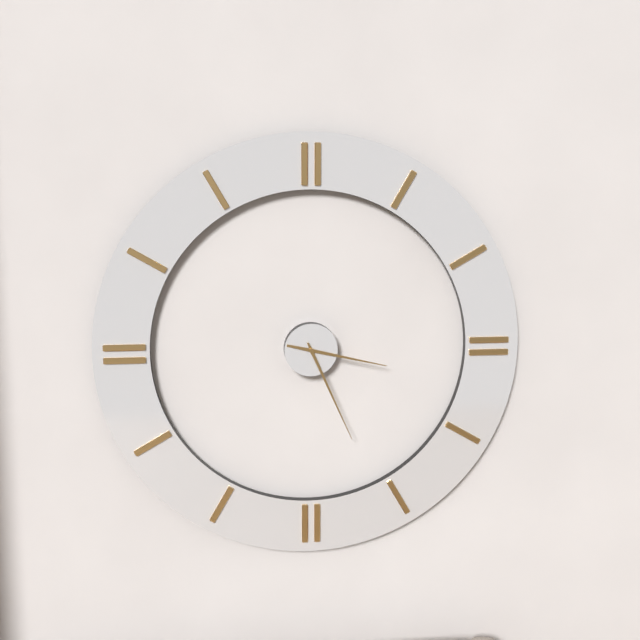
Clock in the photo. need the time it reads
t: 3:26
